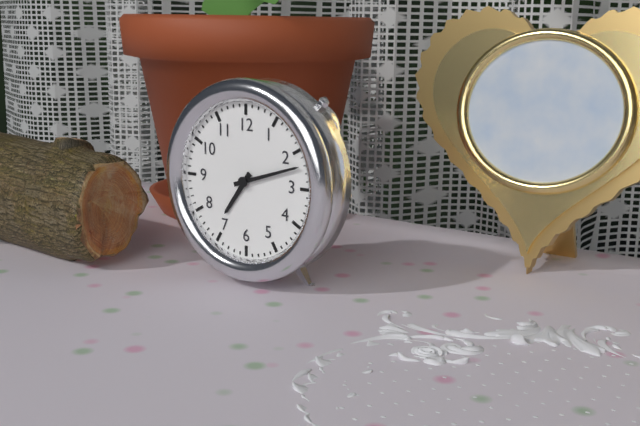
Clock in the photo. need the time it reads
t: 7:12
